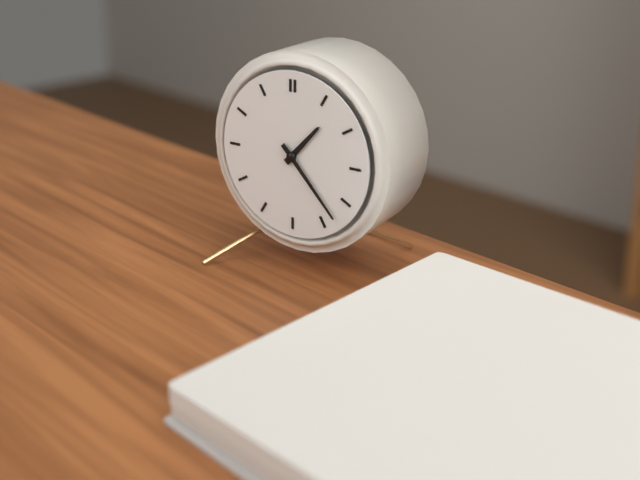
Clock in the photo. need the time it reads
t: 1:23
